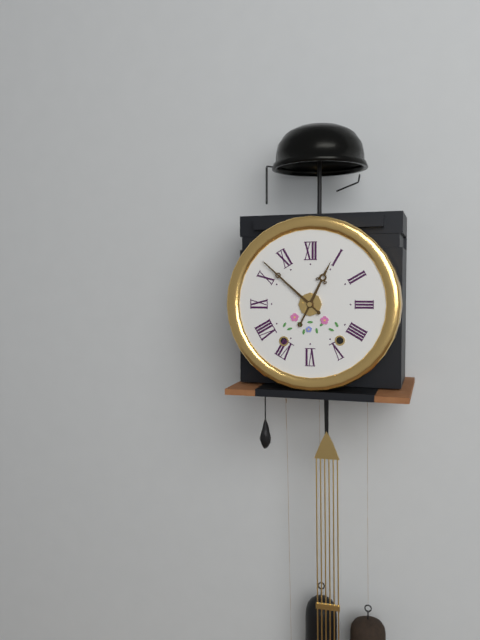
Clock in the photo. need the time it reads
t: 12:52
